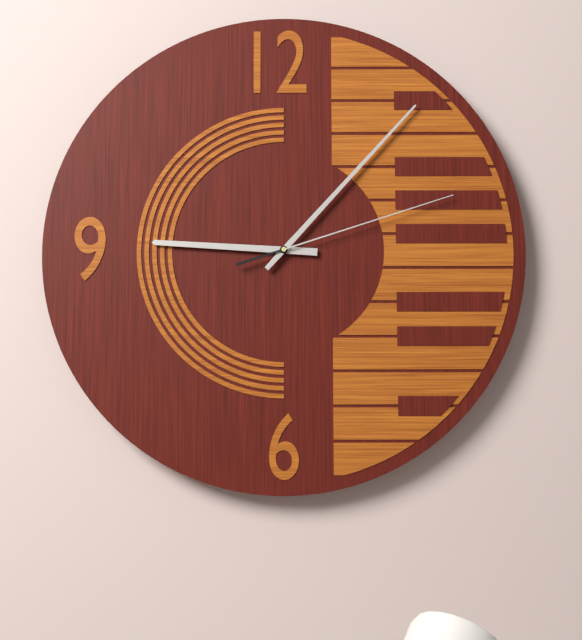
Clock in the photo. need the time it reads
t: 9:07:12
